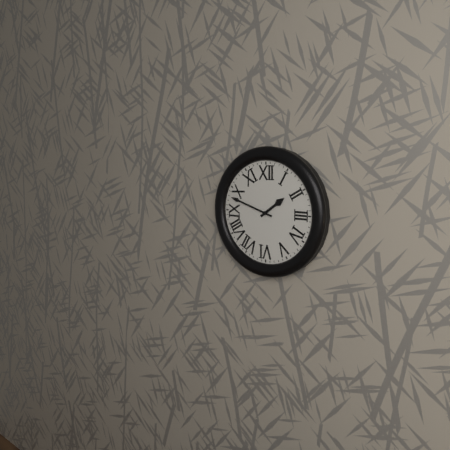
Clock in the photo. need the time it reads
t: 1:48
